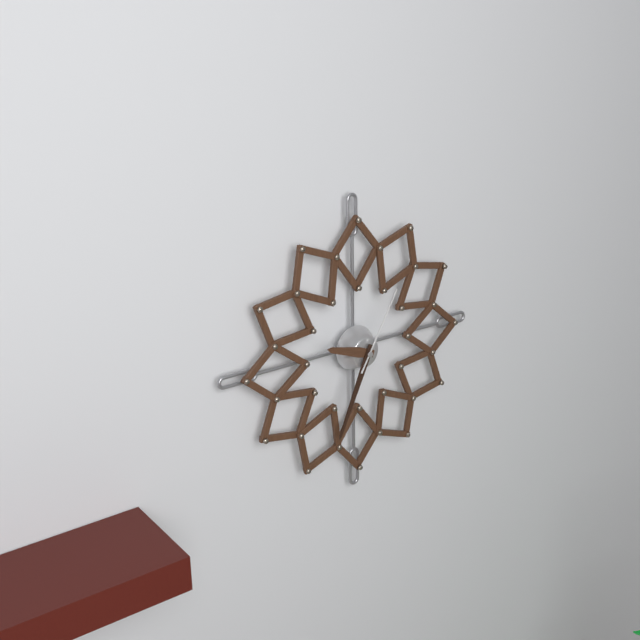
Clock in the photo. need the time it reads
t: 9:34:05
